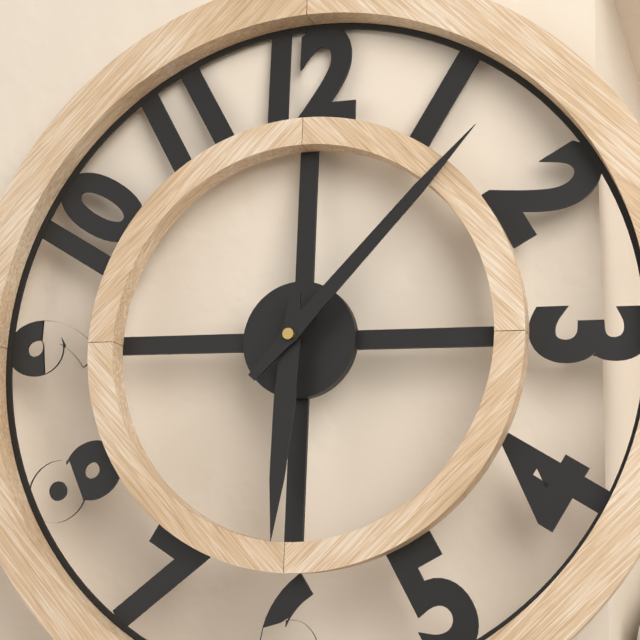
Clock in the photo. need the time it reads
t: 6:07
